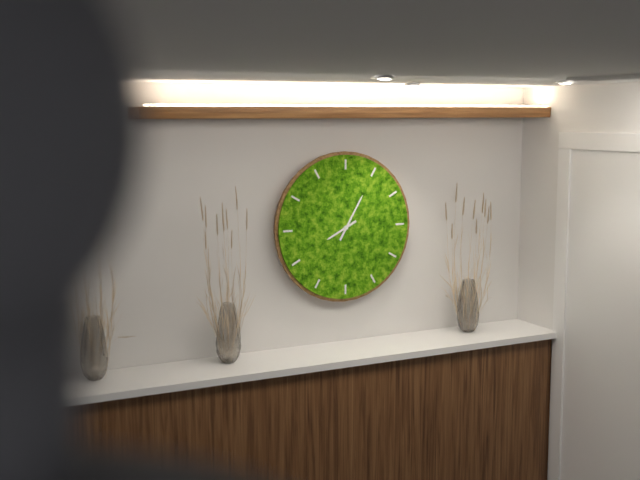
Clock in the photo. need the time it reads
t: 8:05
